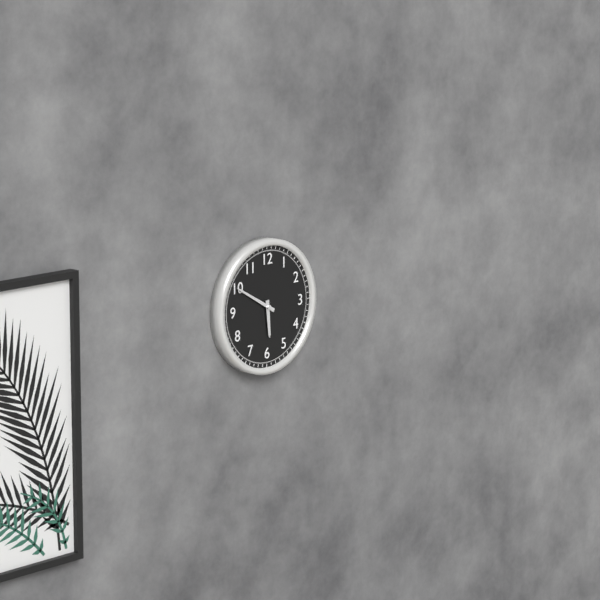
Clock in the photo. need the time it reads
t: 5:50
